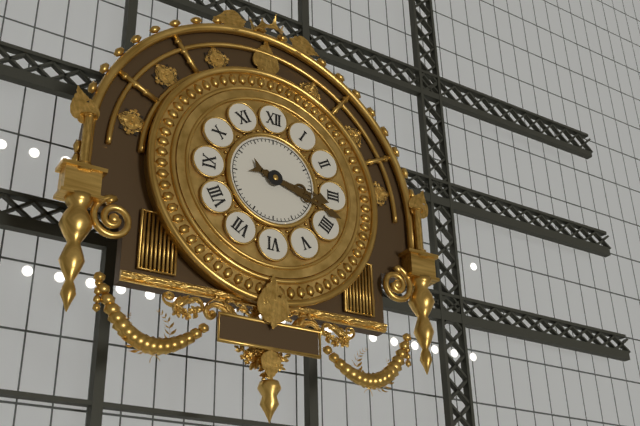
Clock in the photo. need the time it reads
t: 3:18
